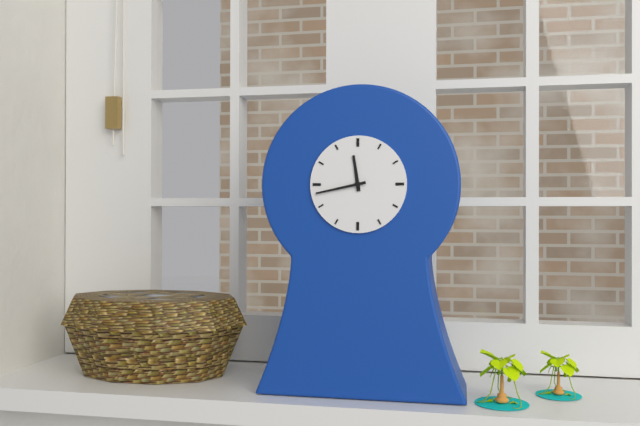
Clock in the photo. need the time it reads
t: 11:43
